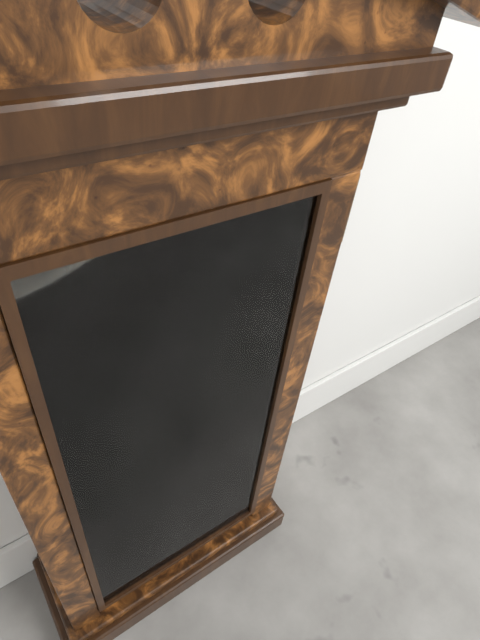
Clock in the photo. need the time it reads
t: 8:40
